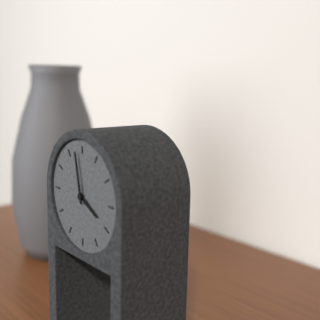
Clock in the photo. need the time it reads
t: 3:58
